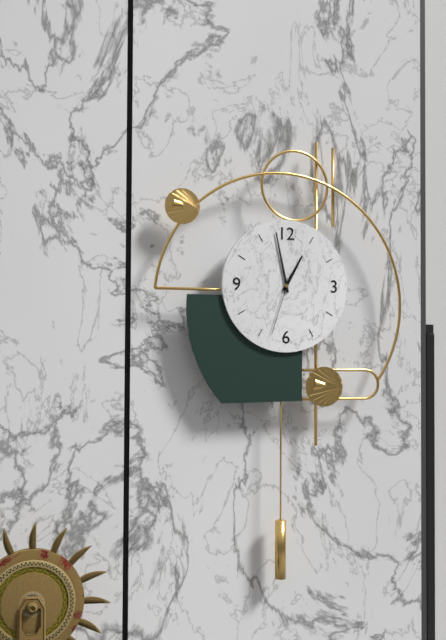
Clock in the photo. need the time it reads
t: 12:58:33
